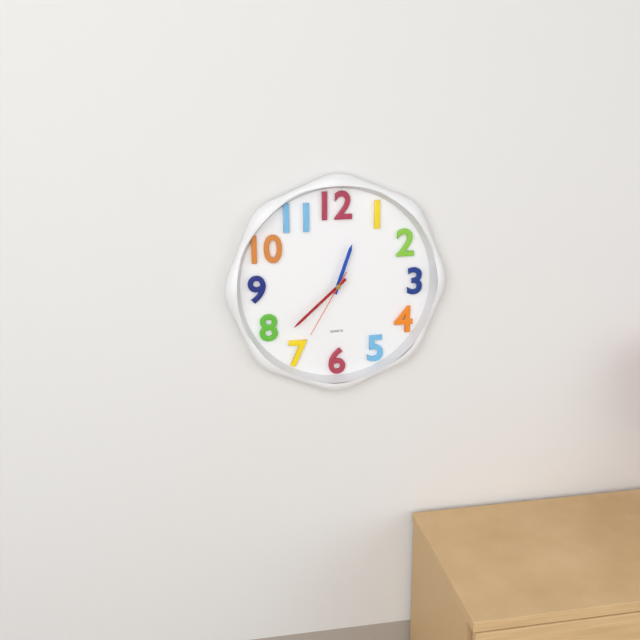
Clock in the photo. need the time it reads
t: 12:38:35
